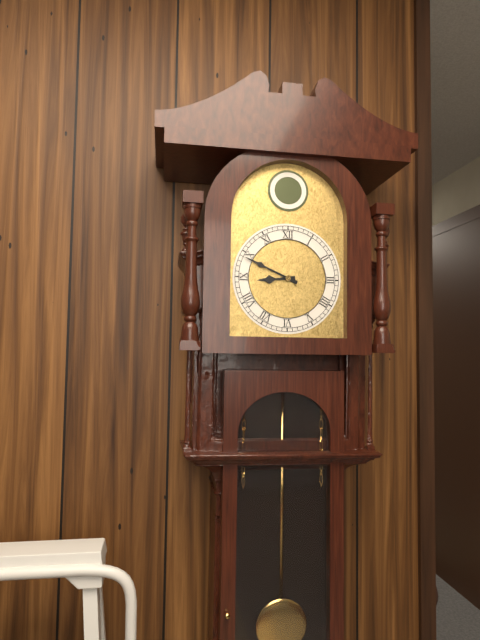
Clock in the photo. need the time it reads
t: 8:49
